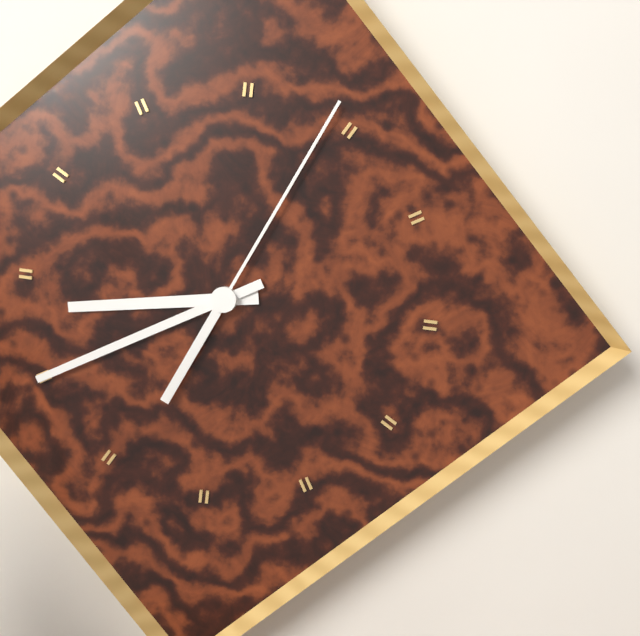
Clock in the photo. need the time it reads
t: 8:40:04
